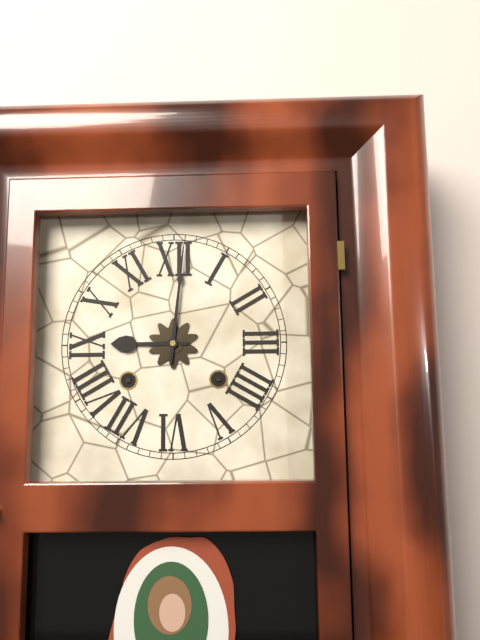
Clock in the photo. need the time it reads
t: 9:01
